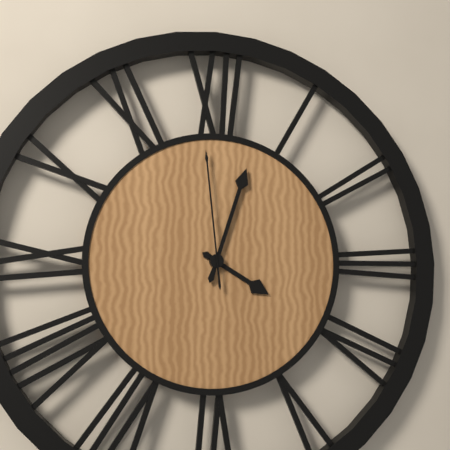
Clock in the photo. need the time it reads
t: 4:03:59
